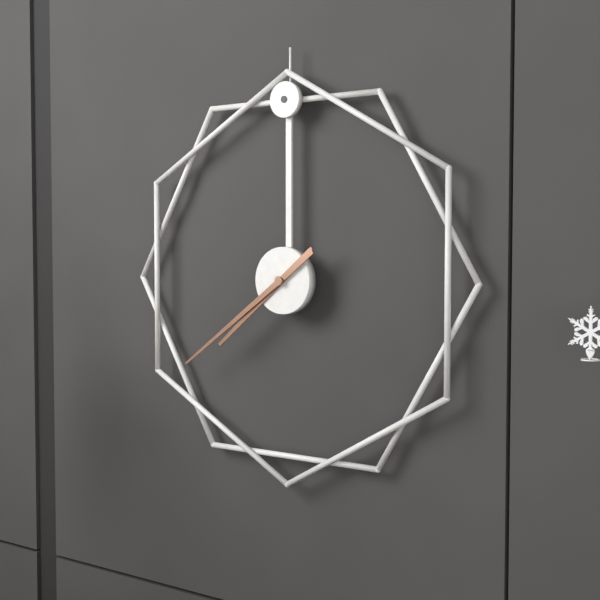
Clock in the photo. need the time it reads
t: 7:39
